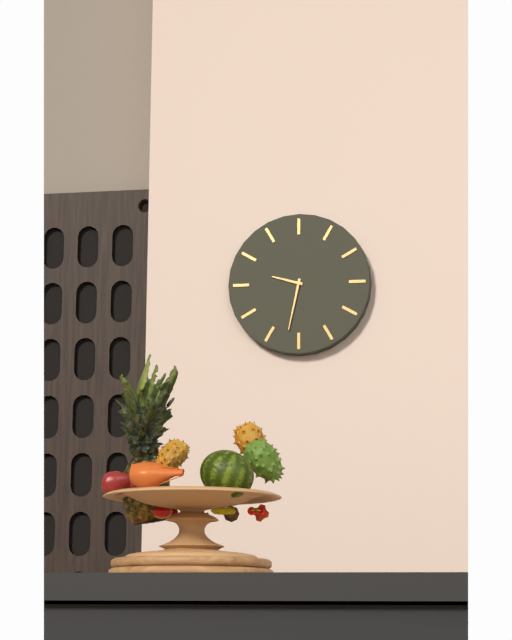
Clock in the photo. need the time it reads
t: 9:32
